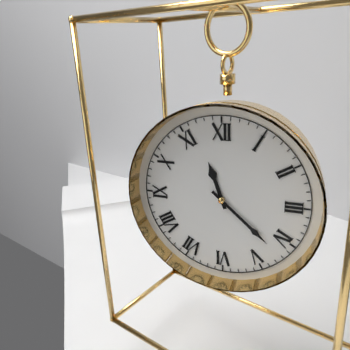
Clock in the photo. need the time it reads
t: 11:22
